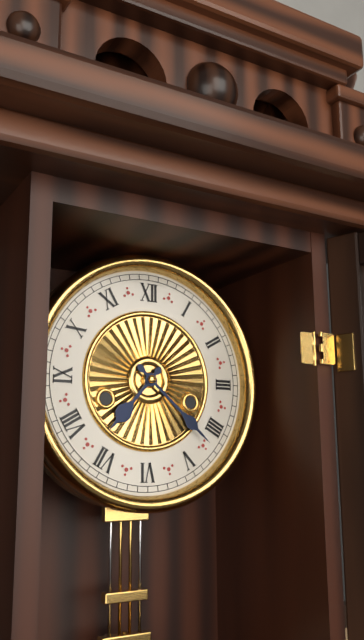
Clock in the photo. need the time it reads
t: 7:22
